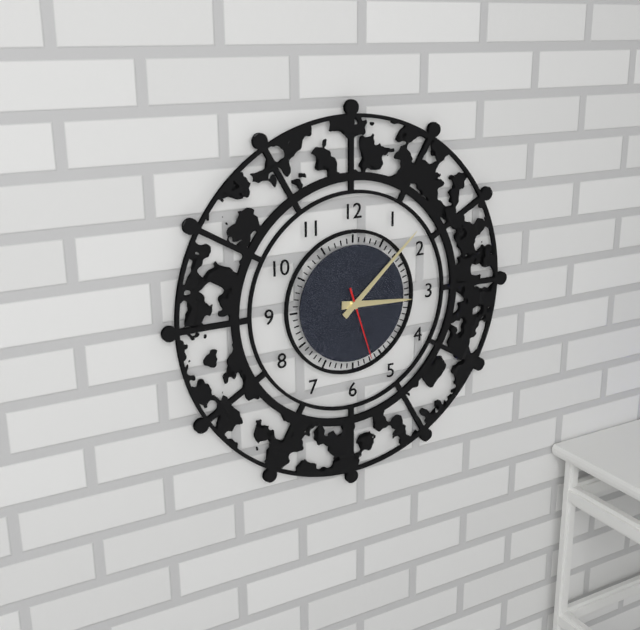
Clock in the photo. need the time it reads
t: 3:08:27
